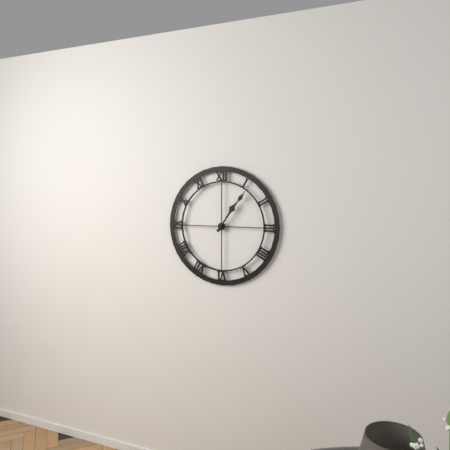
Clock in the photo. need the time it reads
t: 1:06
